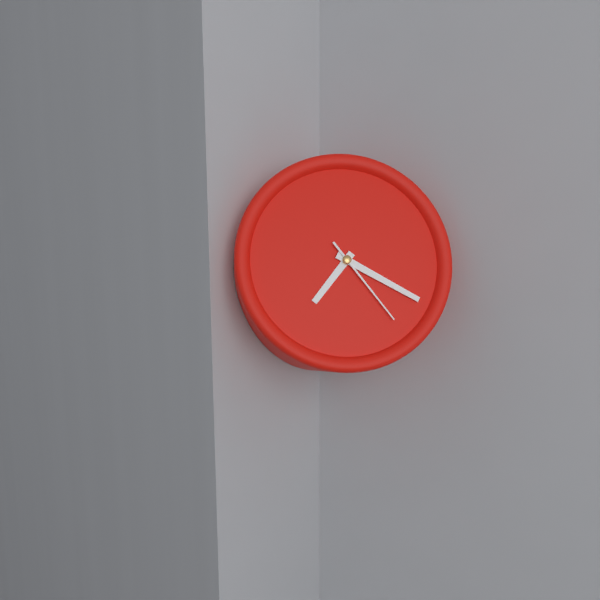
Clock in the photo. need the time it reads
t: 7:20:24
